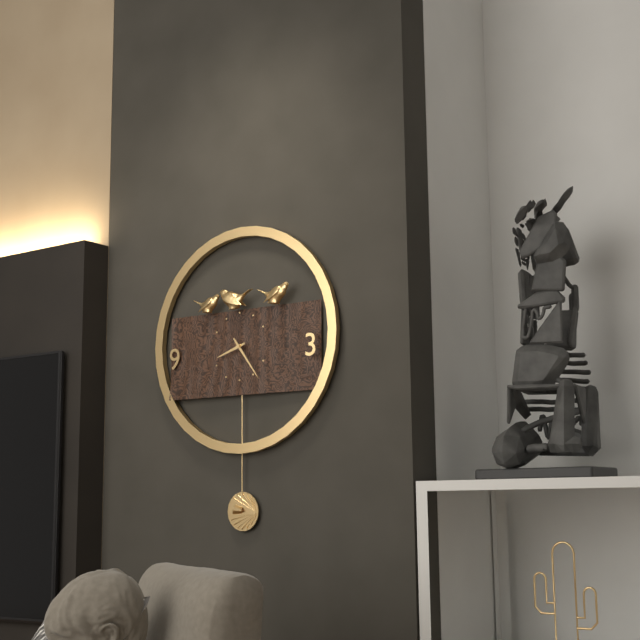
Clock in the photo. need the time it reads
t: 8:24
